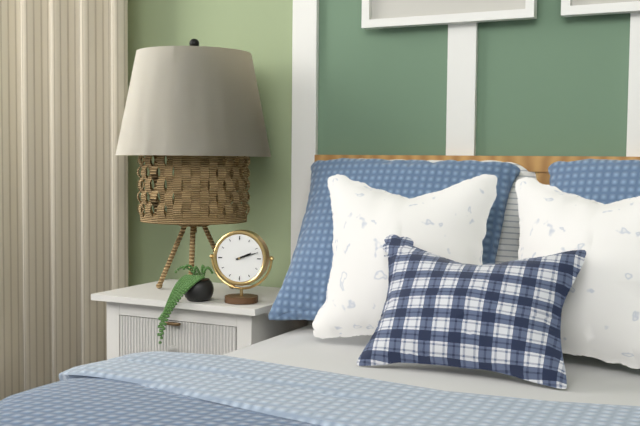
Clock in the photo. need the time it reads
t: 2:12
